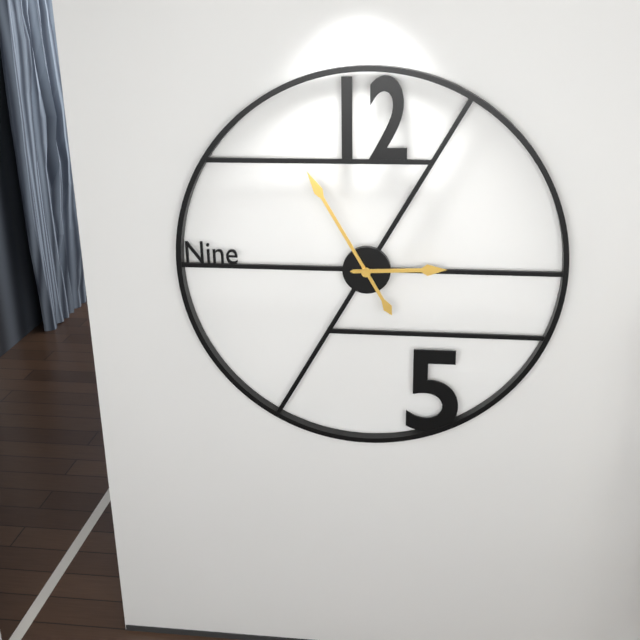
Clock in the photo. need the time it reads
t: 2:55
